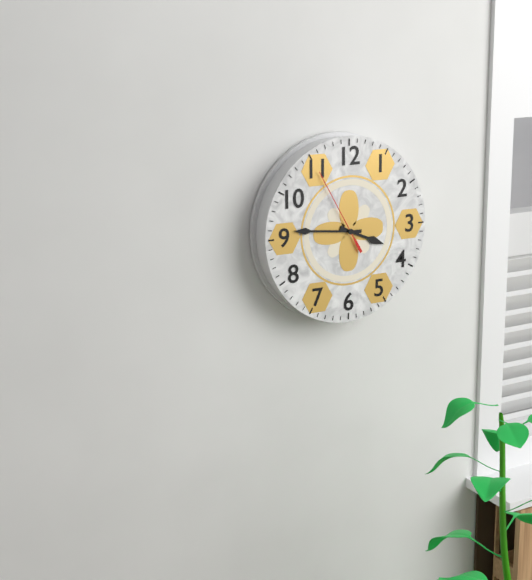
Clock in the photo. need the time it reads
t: 3:46:55
